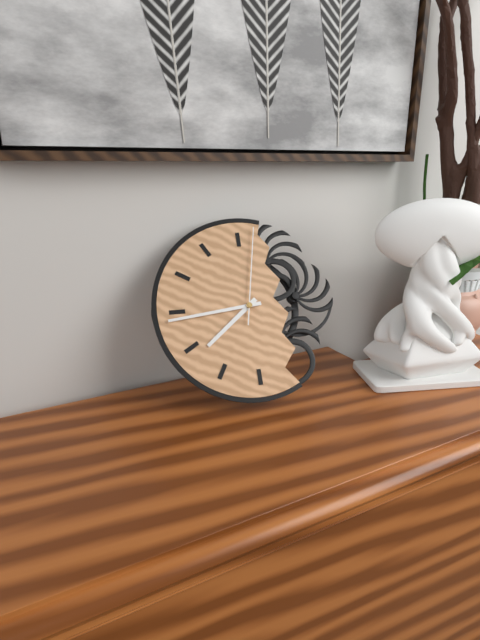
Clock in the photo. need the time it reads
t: 7:44:02
